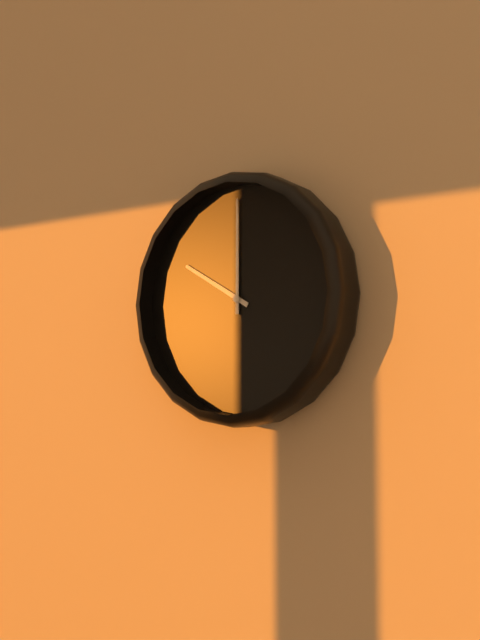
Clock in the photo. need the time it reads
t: 10:00
